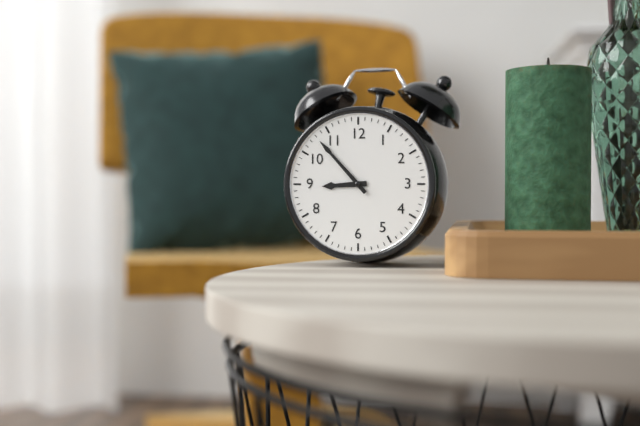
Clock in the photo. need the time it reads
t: 8:53
